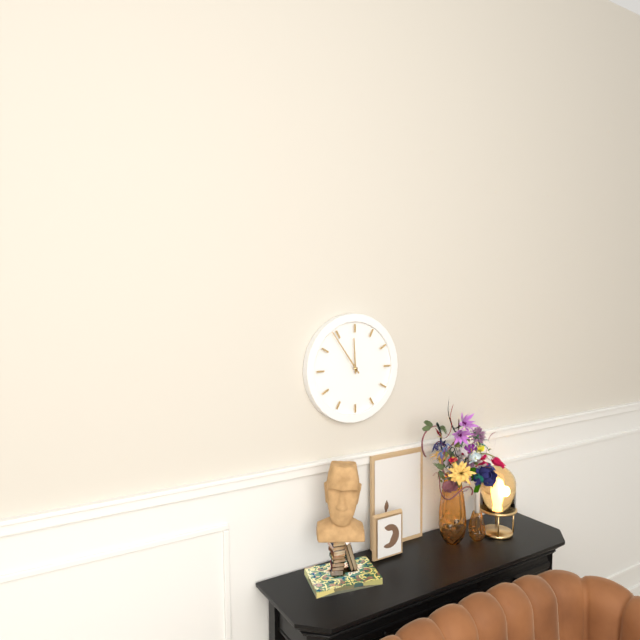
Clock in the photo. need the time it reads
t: 11:54
